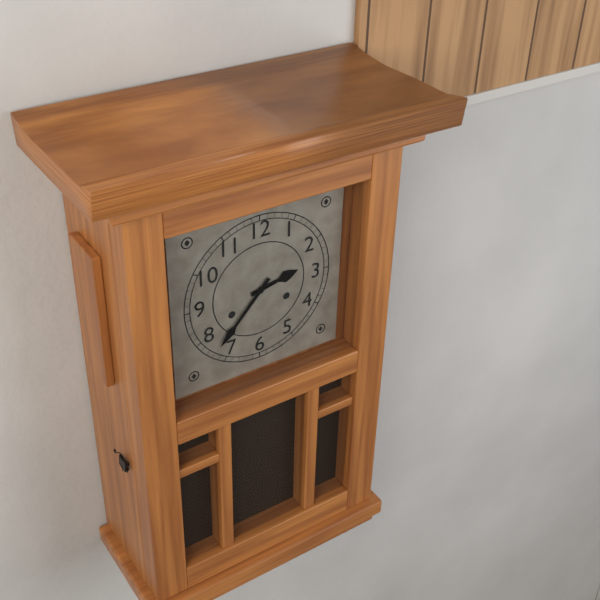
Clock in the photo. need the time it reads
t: 2:37
